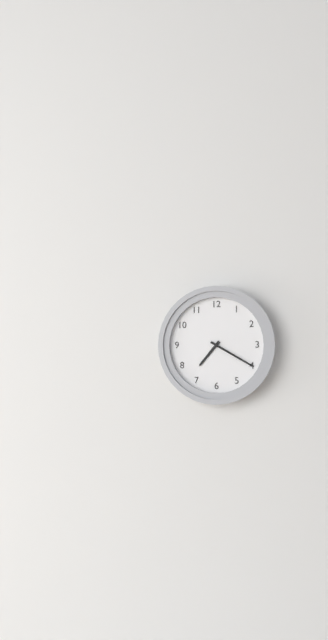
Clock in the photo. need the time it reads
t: 7:20
